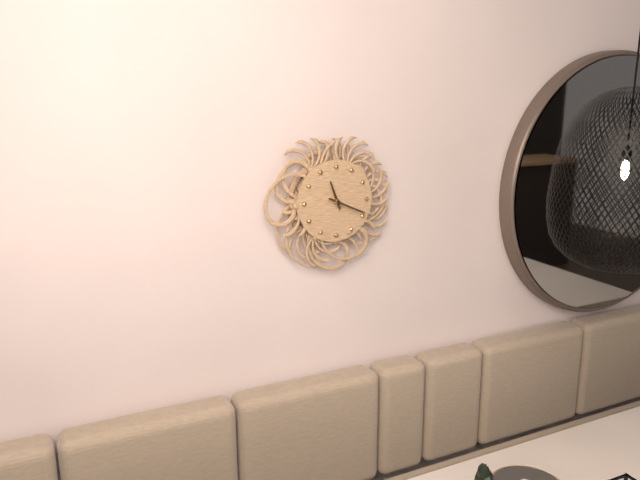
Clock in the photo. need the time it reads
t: 11:19
